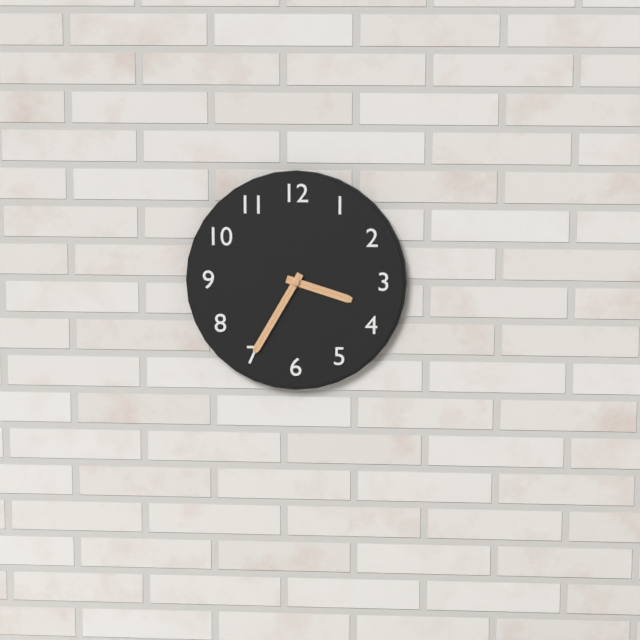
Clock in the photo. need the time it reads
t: 3:35
